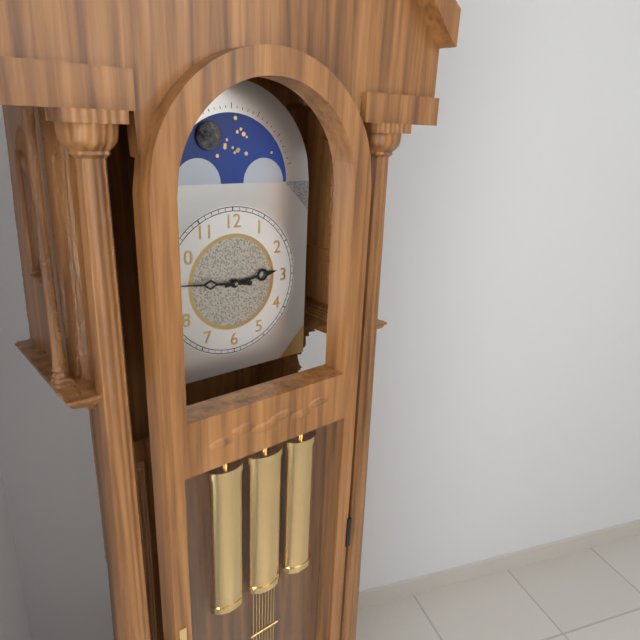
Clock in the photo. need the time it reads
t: 2:46
